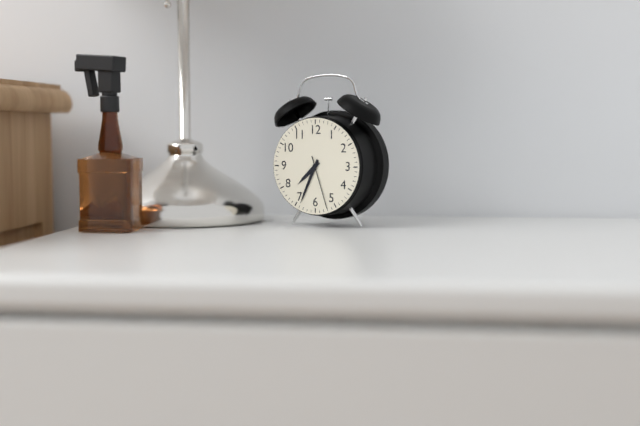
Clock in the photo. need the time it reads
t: 7:34:27
